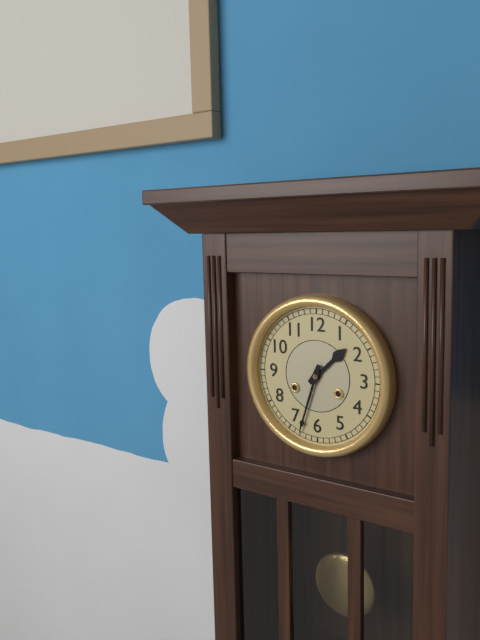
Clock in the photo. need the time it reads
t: 1:33
